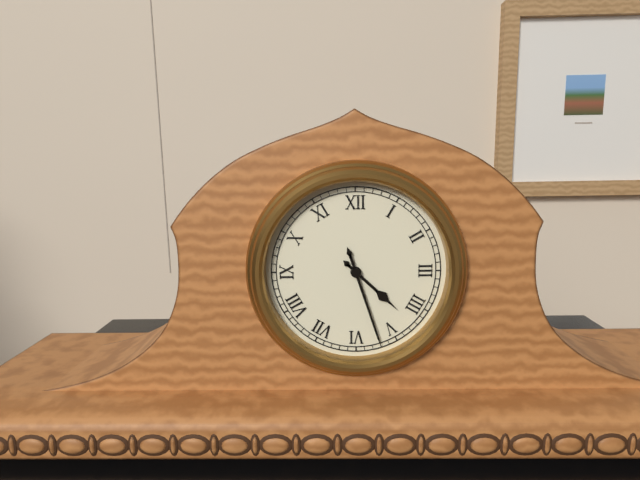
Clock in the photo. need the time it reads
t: 4:27
